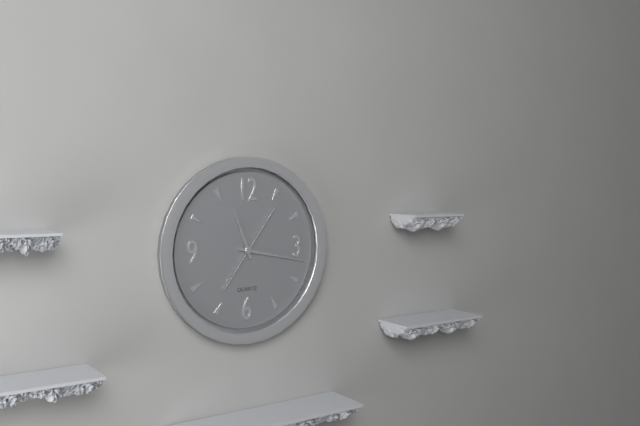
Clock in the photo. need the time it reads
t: 11:17:06
